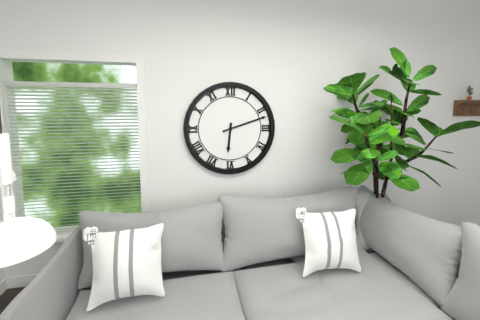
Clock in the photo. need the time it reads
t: 6:12
